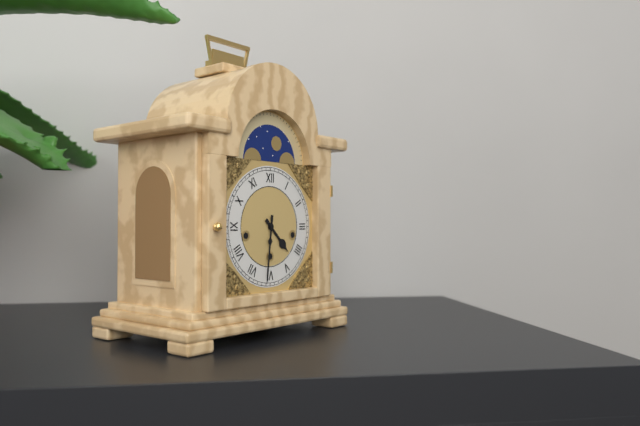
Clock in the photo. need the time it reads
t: 4:31
